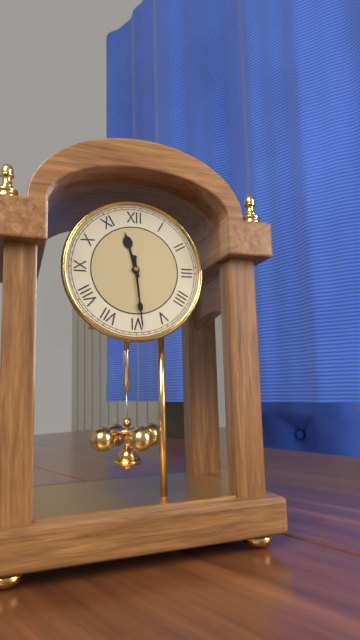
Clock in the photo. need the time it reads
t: 11:29
